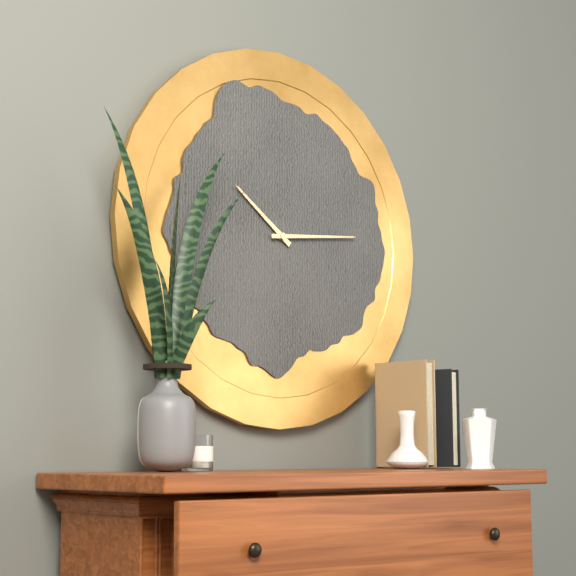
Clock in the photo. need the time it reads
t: 10:14
